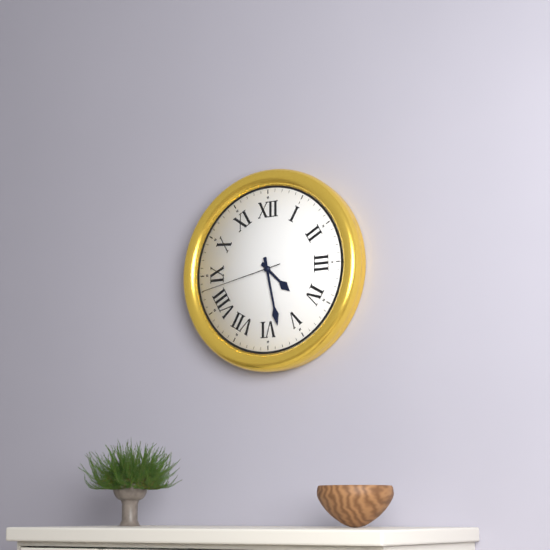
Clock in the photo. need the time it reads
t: 4:28:43
